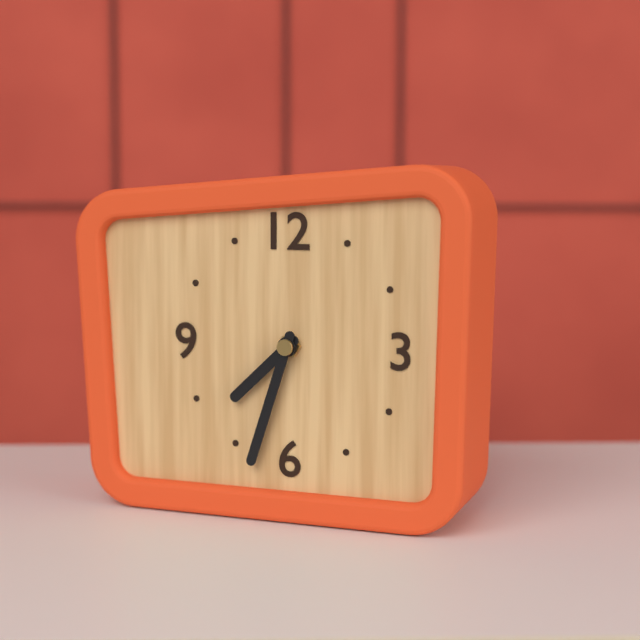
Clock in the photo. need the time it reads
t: 7:33
